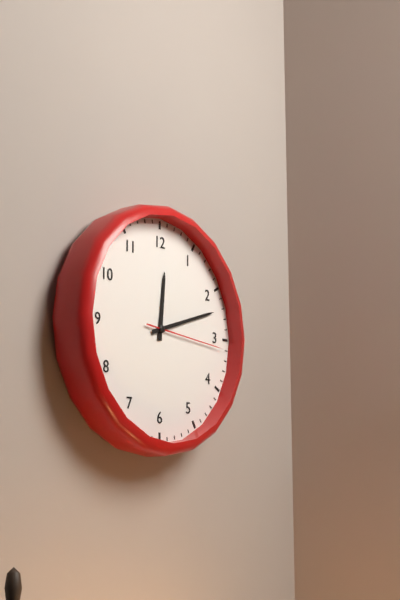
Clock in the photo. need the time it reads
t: 12:12:16
